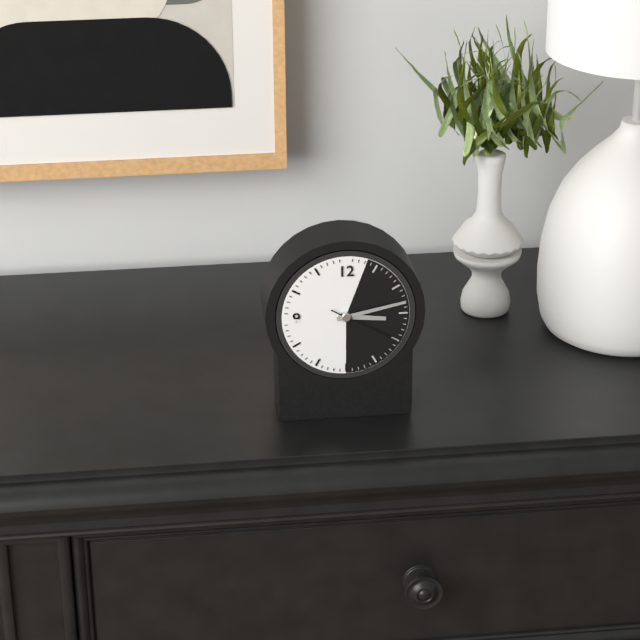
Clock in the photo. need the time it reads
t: 3:13:20
